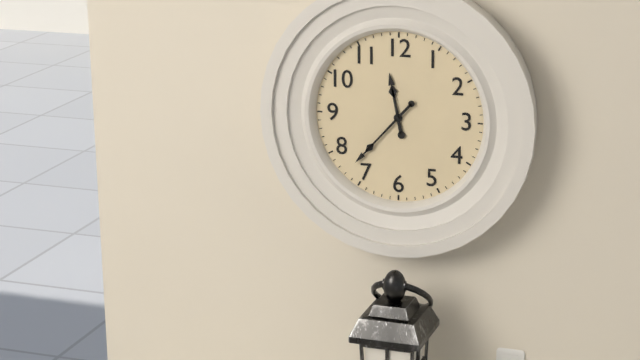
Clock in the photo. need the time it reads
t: 11:37
